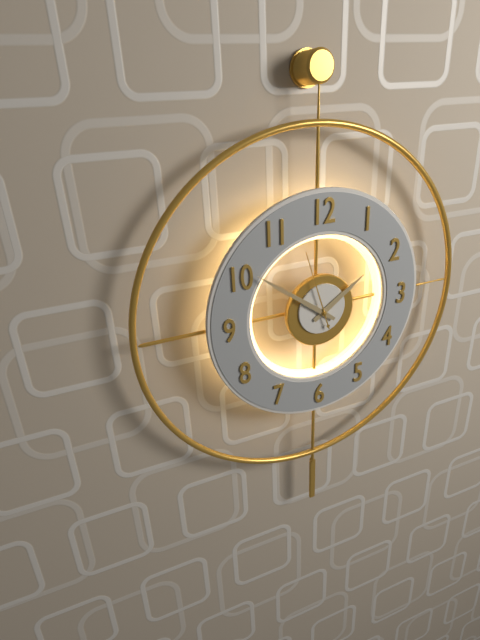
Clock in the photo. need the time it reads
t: 1:51:57
